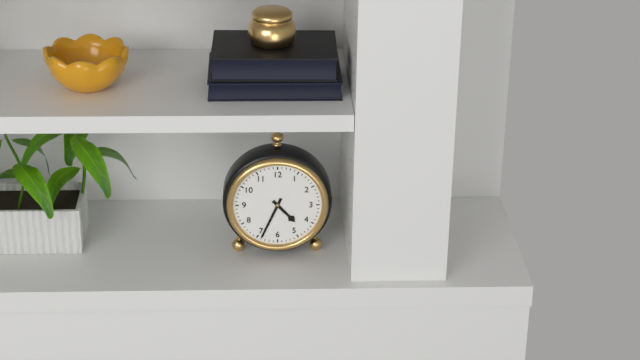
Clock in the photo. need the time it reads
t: 4:34
